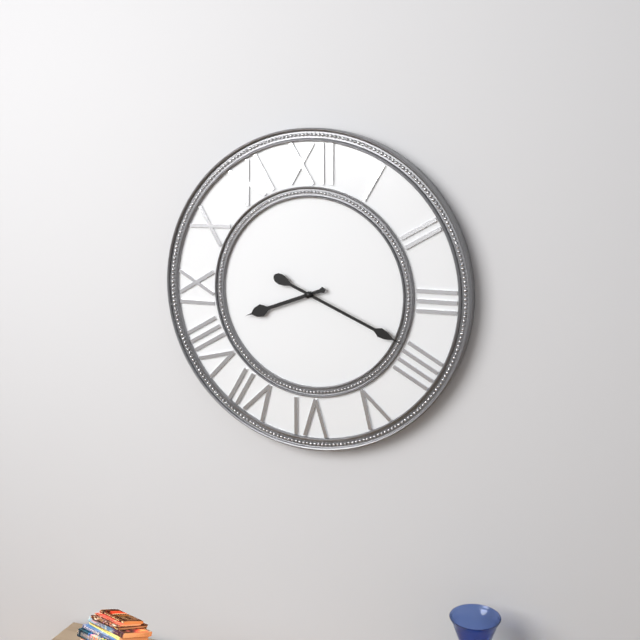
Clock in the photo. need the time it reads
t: 8:19
